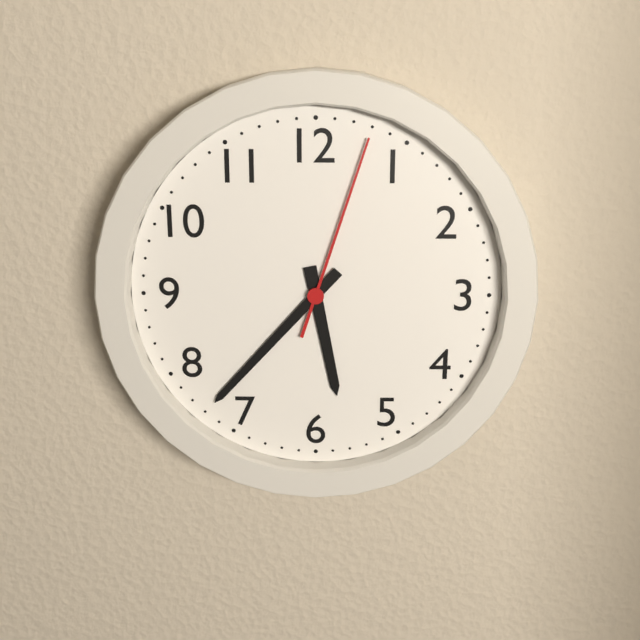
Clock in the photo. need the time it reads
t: 5:37:03
